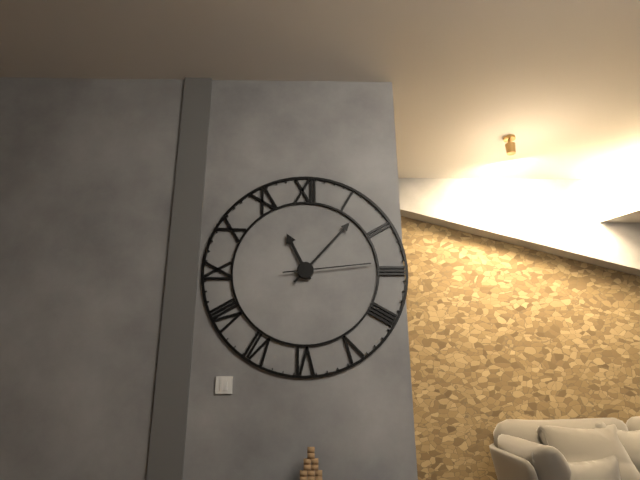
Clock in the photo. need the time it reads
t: 11:07:14
